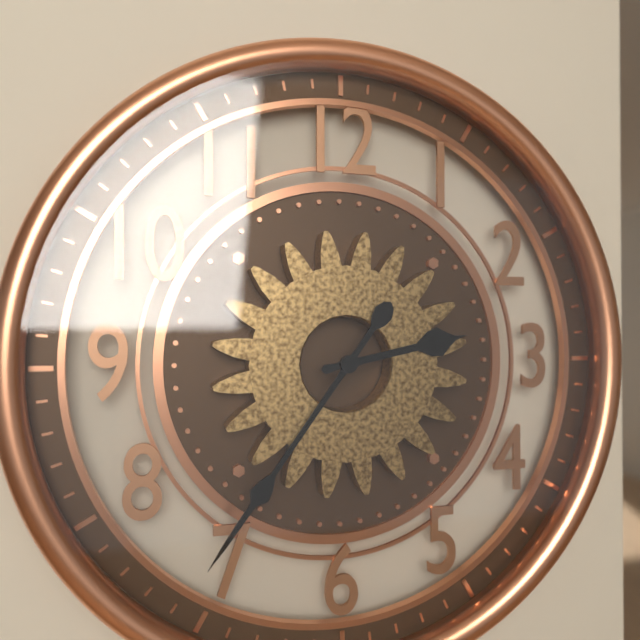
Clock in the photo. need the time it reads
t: 2:36
